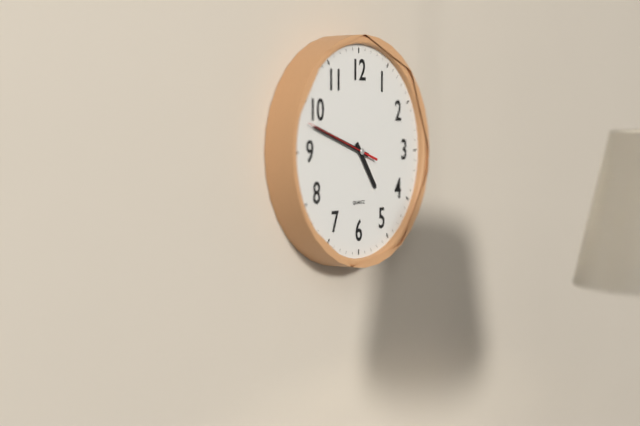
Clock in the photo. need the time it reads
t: 4:48:48
